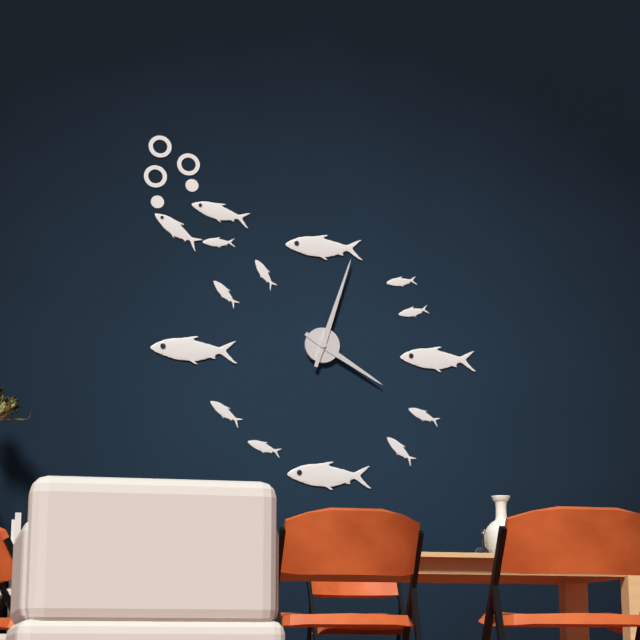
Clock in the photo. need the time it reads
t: 4:03
